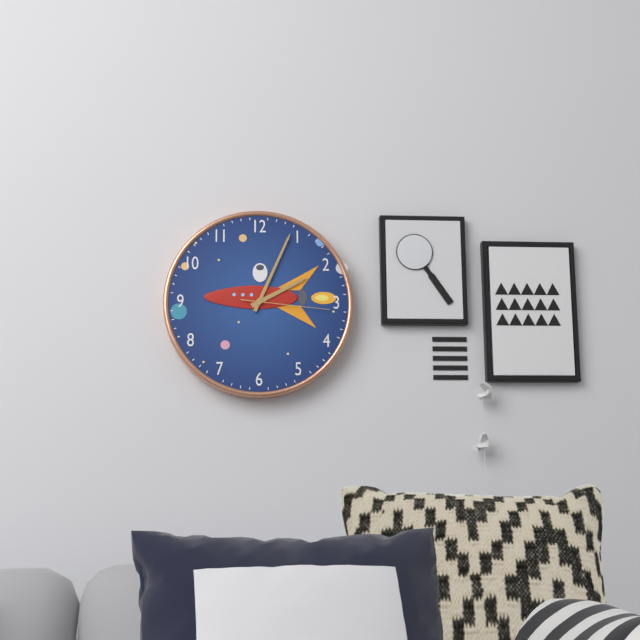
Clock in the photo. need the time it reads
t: 2:04:16
